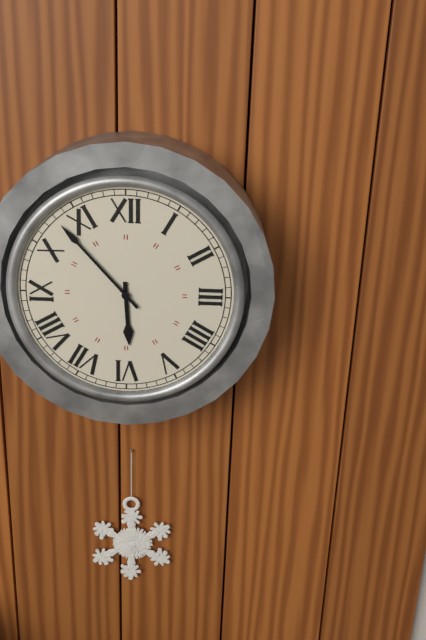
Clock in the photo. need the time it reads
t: 5:53
